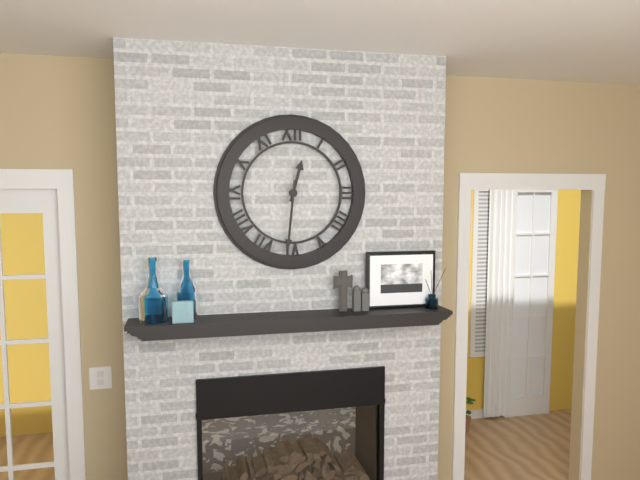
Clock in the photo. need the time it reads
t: 12:31
